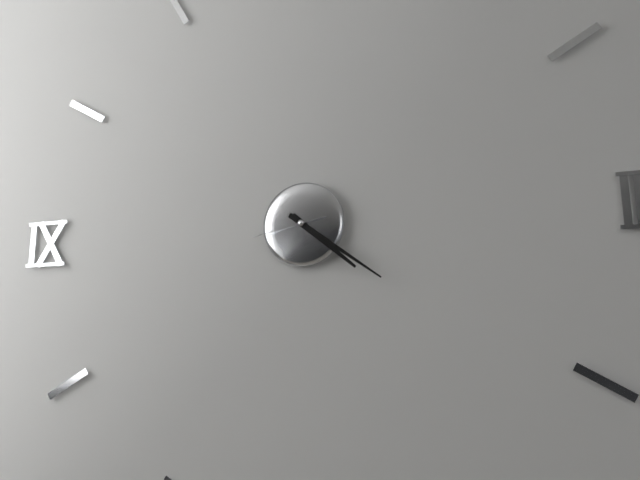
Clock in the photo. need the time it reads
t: 4:21:43
